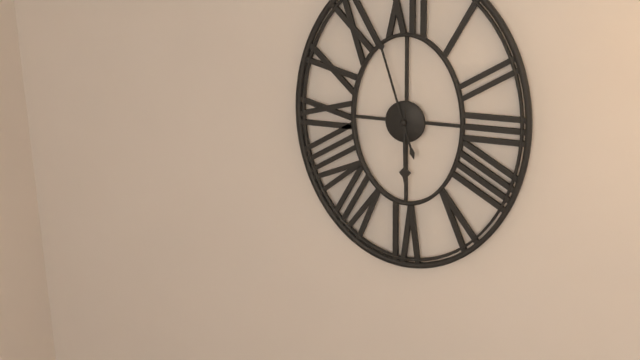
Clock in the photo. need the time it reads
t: 5:57
